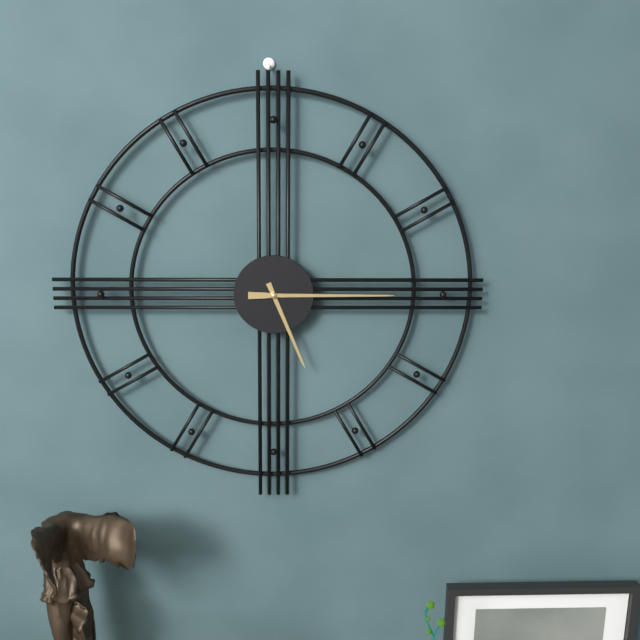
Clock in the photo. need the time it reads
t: 5:15
